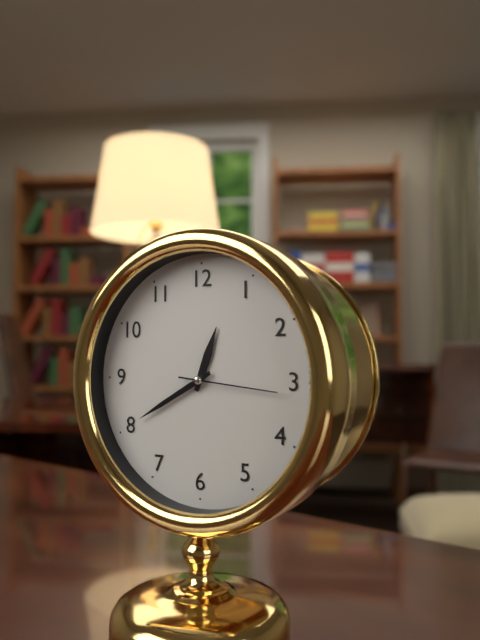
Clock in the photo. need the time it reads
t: 12:40:16
